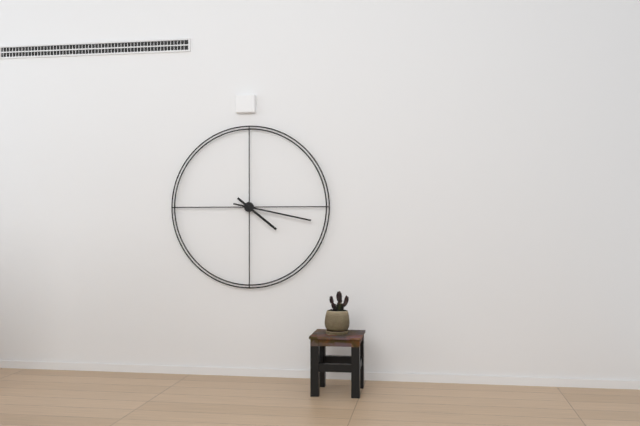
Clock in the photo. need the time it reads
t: 4:17
